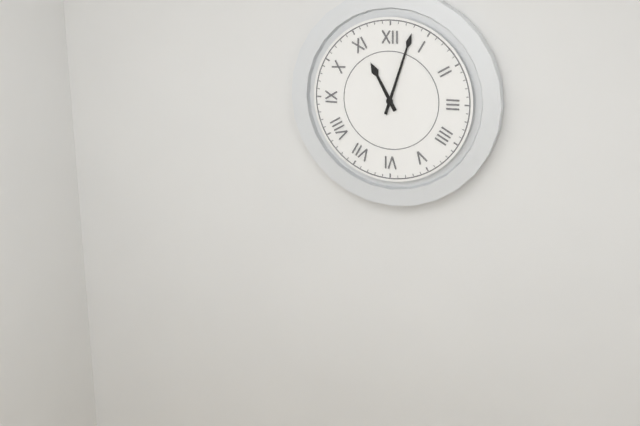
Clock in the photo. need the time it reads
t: 11:03
